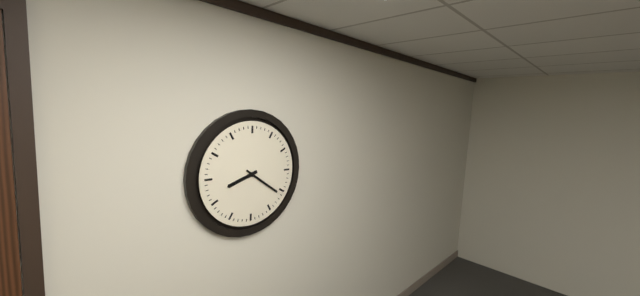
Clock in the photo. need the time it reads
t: 8:21
